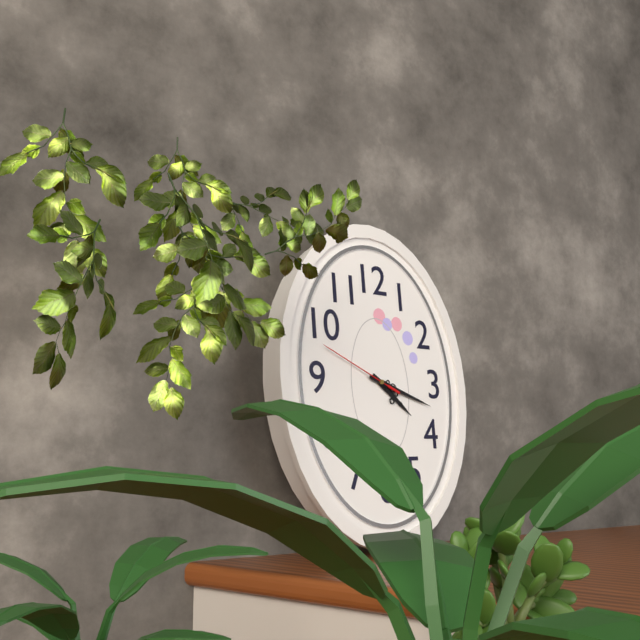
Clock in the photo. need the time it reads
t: 4:18:49
